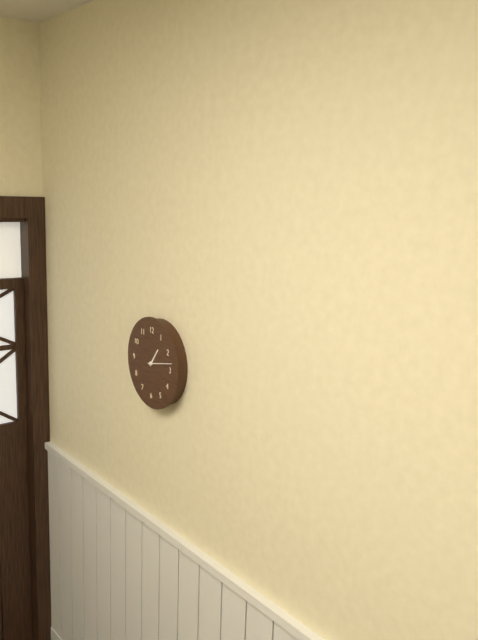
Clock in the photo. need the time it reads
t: 1:13
